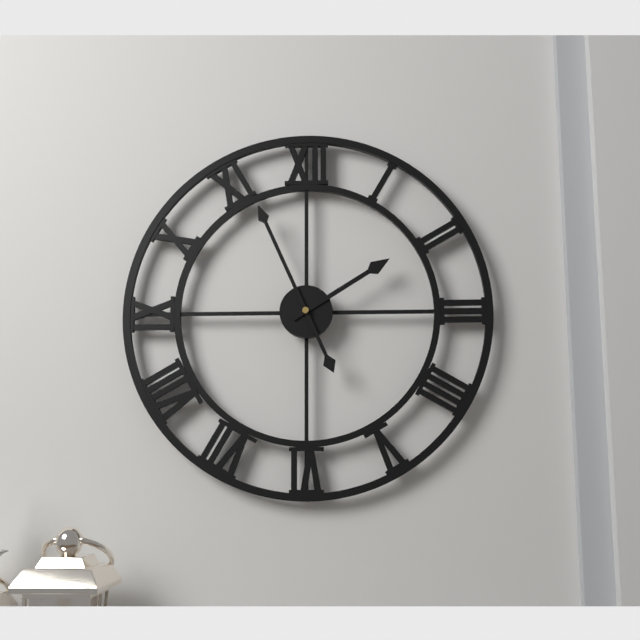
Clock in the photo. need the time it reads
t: 1:56
